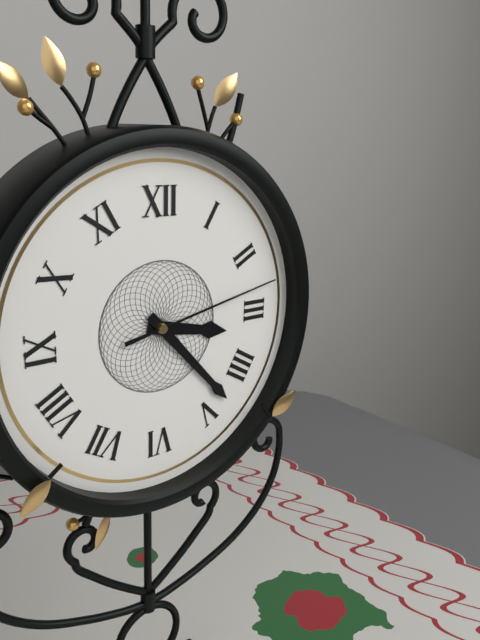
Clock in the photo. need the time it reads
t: 3:23:13
